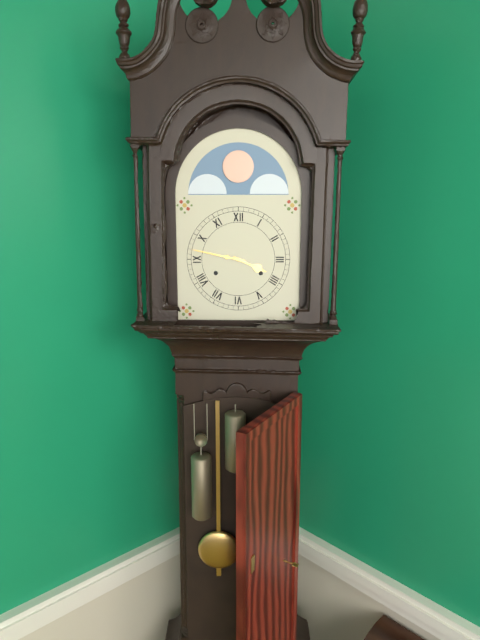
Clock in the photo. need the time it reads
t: 3:47
